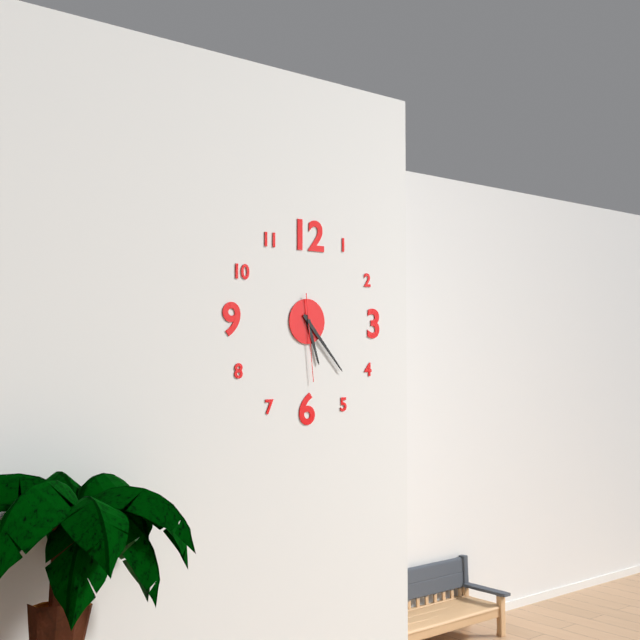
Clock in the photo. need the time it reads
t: 5:23:29
